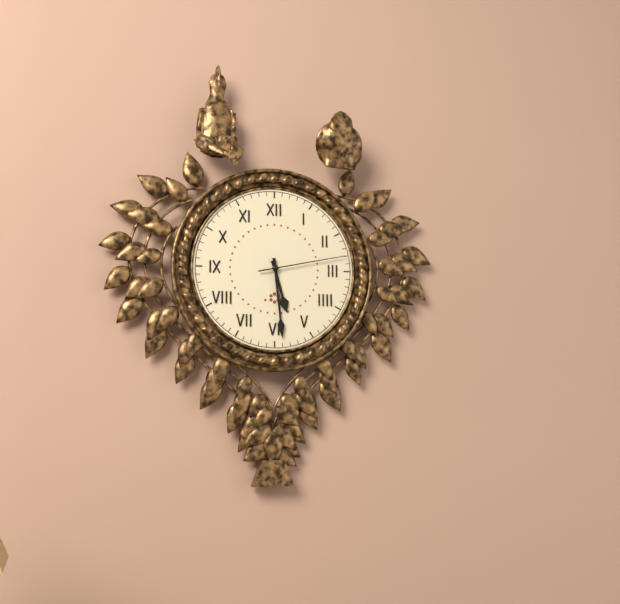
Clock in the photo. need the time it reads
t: 5:29:13
